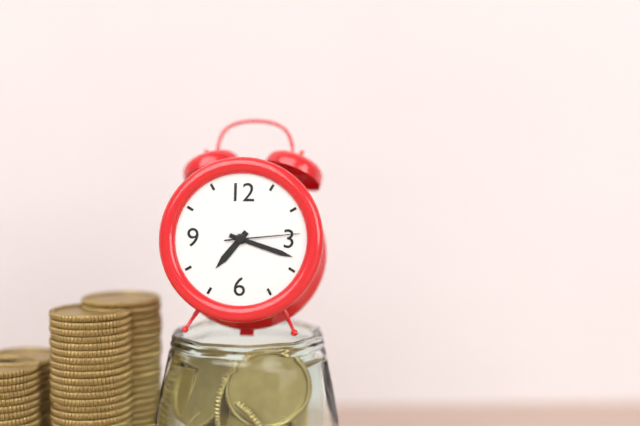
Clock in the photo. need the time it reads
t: 7:18:14
